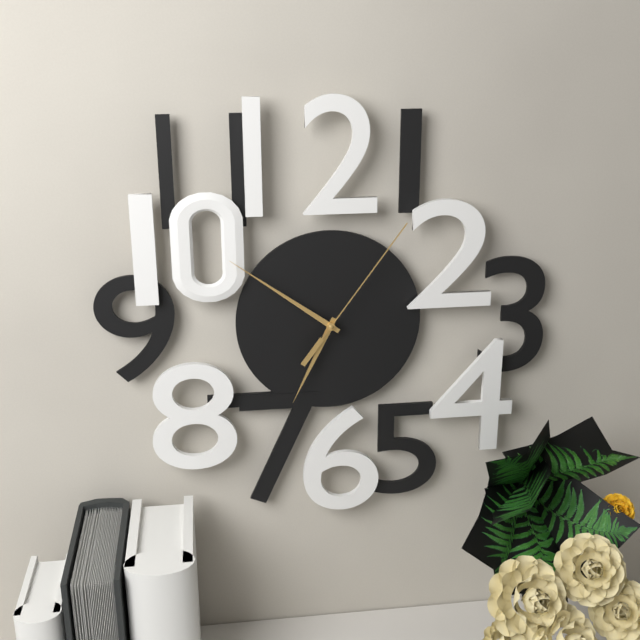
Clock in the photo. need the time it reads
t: 6:51:06
